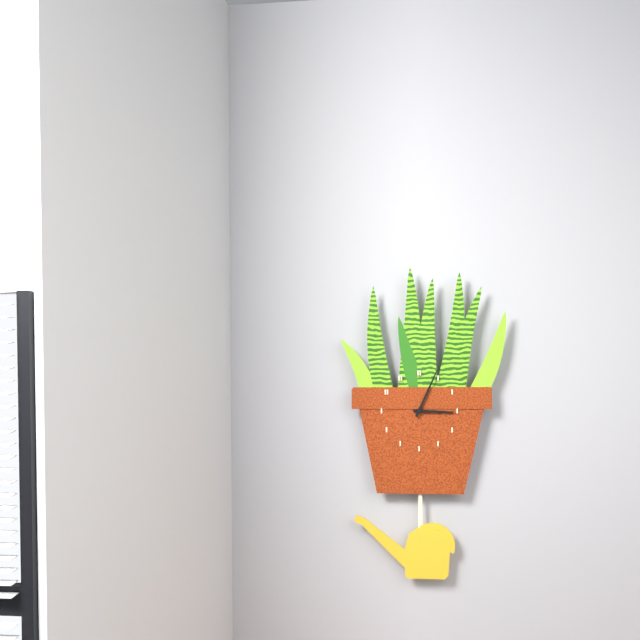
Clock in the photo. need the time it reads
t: 3:04
